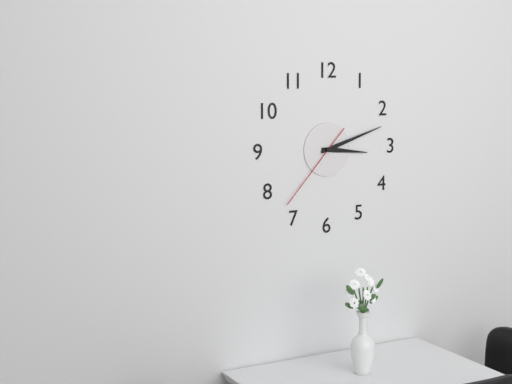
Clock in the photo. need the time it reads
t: 3:12:37
